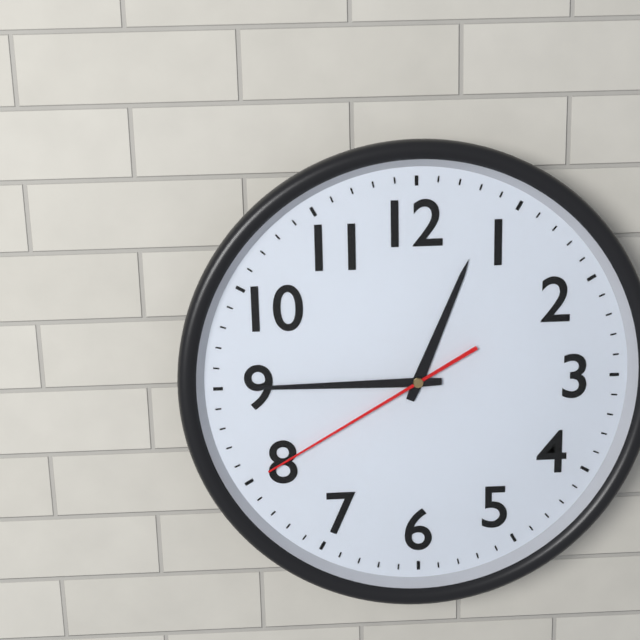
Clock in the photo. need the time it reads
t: 12:45:40
